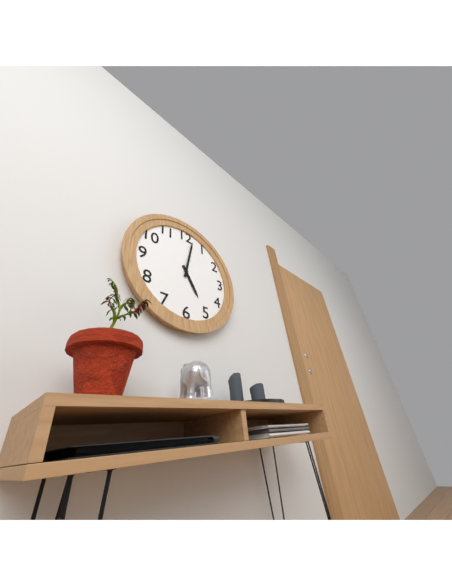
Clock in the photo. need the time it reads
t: 5:02
